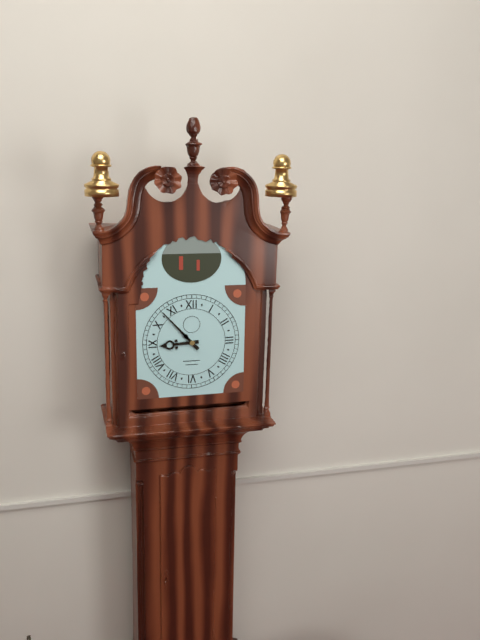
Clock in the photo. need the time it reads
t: 8:53
